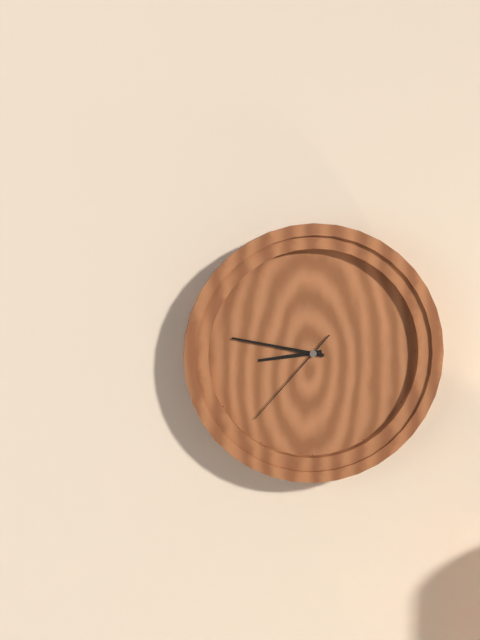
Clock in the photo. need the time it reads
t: 8:47:37
